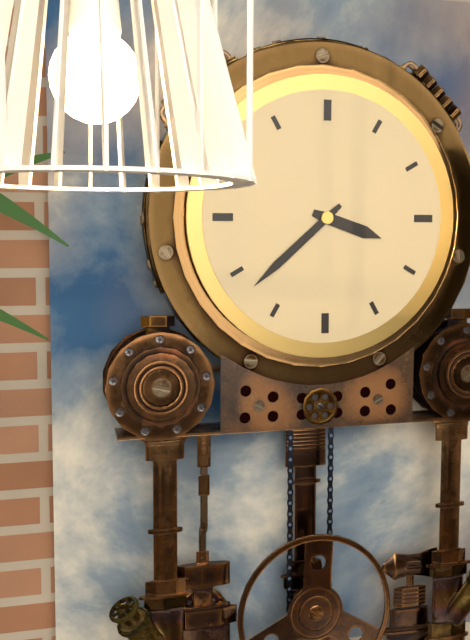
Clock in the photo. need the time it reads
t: 3:38
